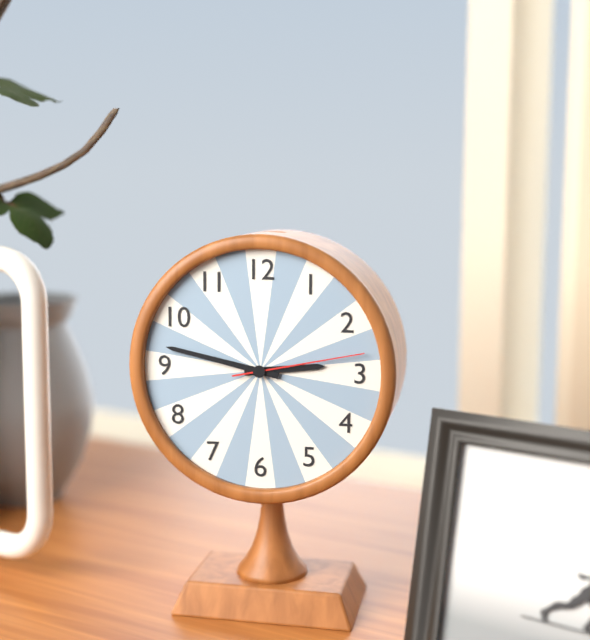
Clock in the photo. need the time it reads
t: 2:47:13
